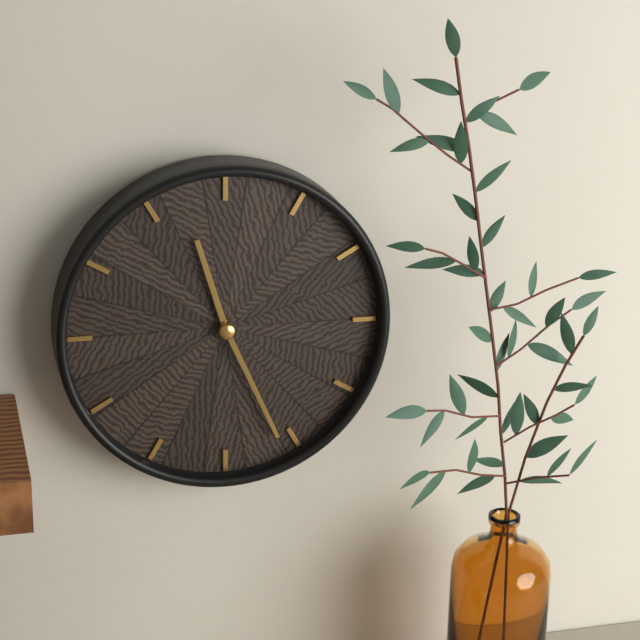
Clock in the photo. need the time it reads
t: 11:26
